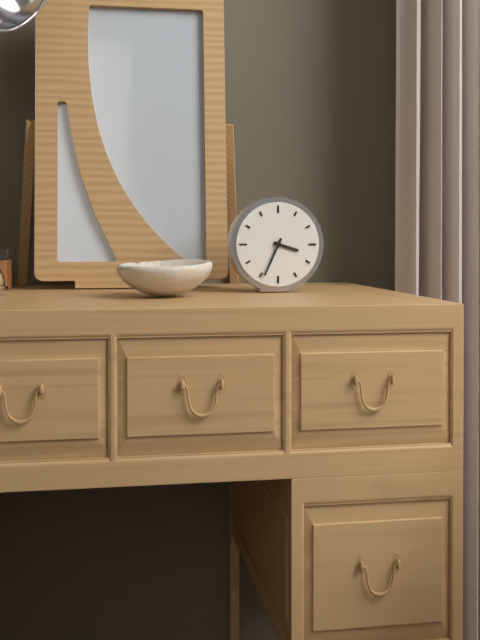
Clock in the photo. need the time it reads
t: 3:34
